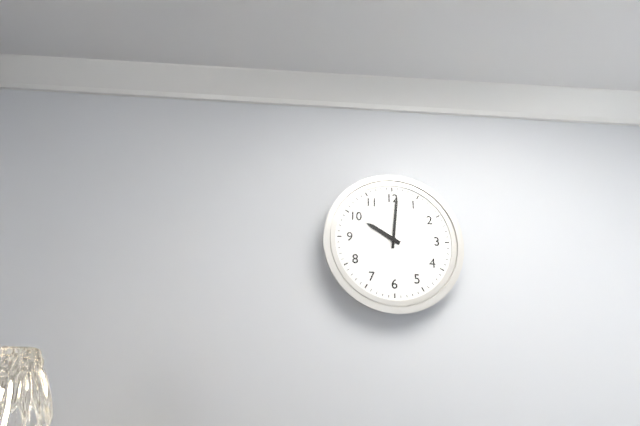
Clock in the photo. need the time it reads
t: 10:01
